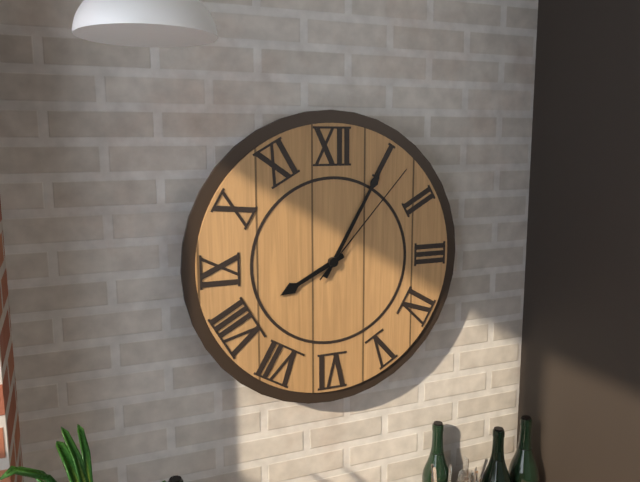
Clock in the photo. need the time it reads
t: 8:05:07
